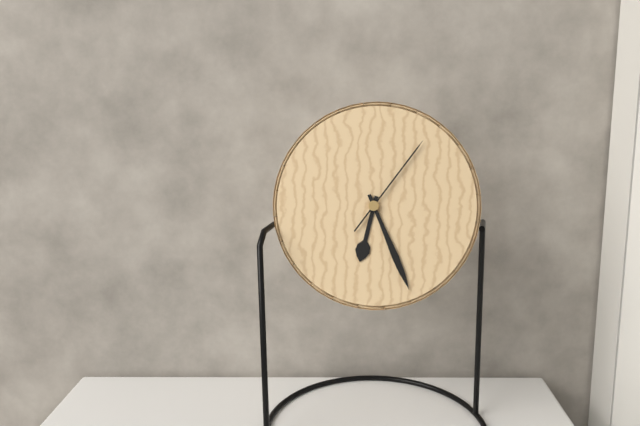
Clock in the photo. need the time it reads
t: 6:26:06
